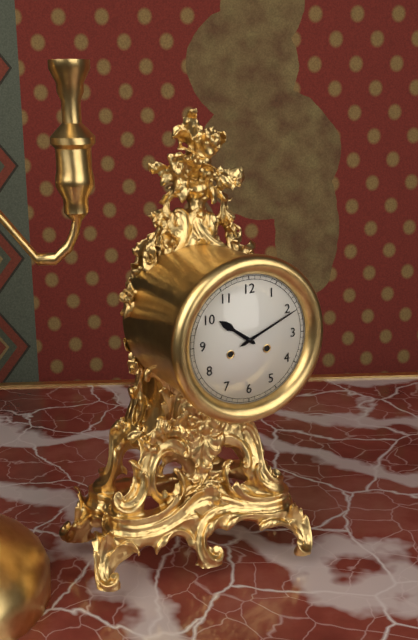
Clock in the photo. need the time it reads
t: 10:11
